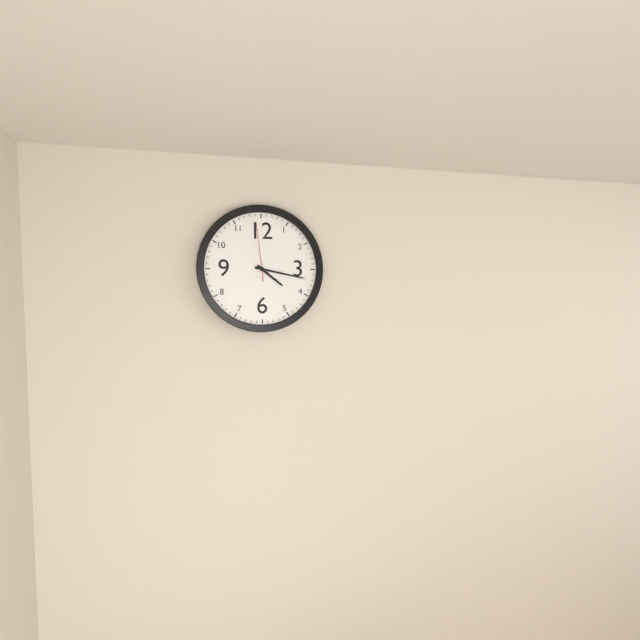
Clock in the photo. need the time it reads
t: 4:17:59
